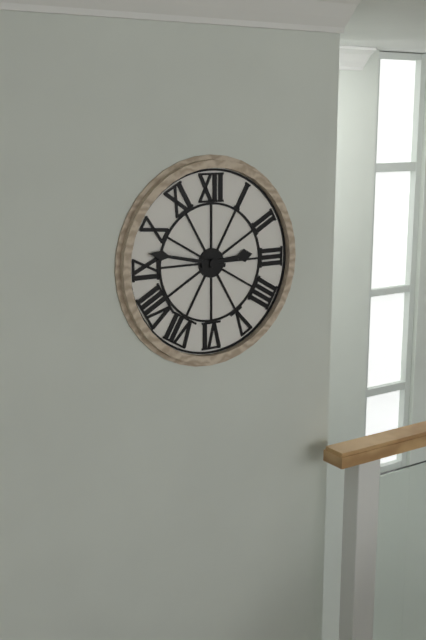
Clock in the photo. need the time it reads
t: 2:47
